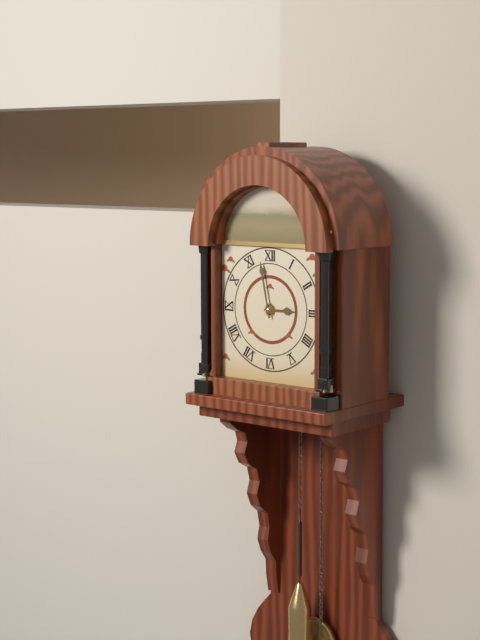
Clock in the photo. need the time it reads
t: 2:58
